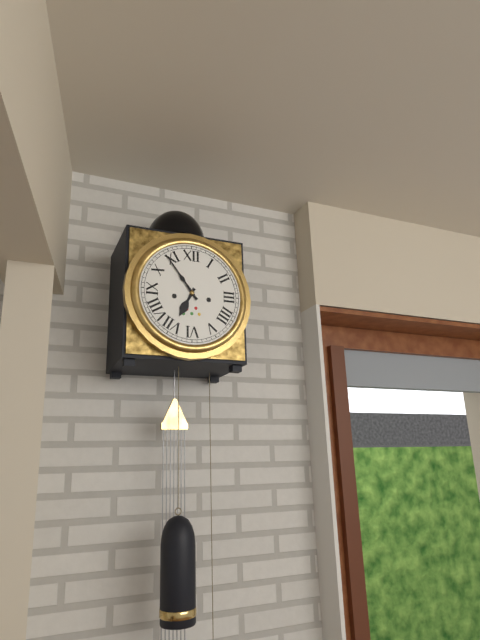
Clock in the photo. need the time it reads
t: 6:54
